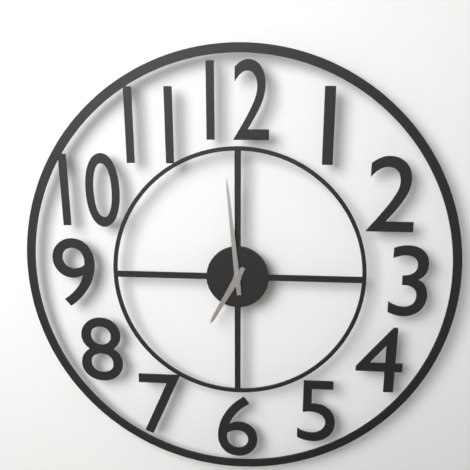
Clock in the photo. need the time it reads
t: 6:59
